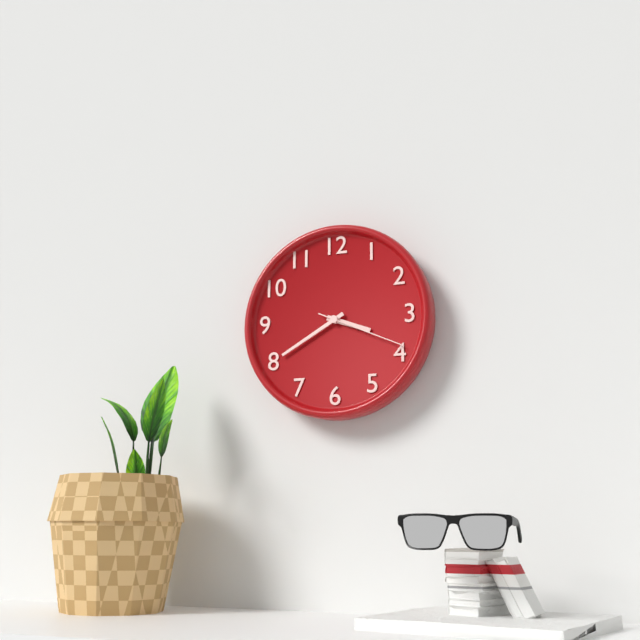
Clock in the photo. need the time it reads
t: 3:40:19
